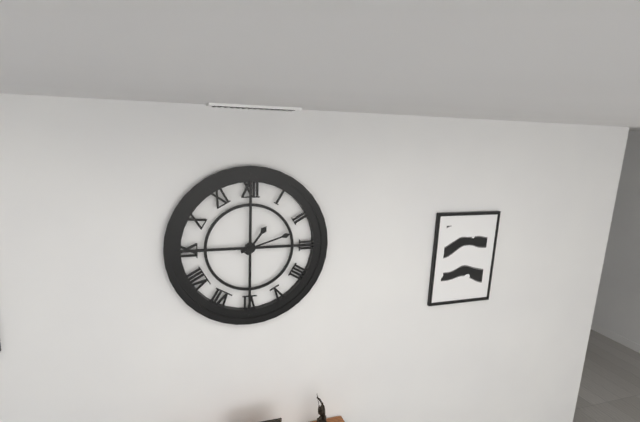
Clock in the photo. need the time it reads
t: 1:12
